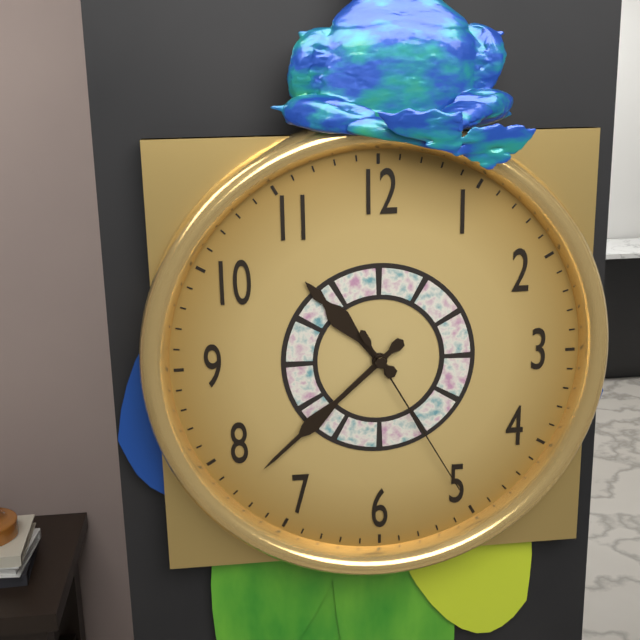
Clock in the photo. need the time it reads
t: 10:38:25
